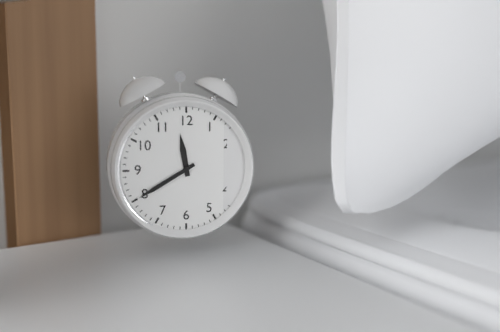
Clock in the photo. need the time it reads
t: 11:40
